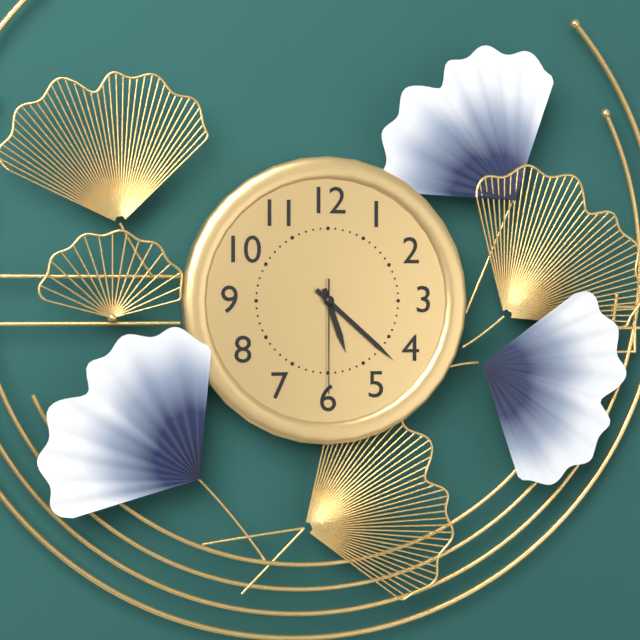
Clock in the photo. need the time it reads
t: 5:22:30
